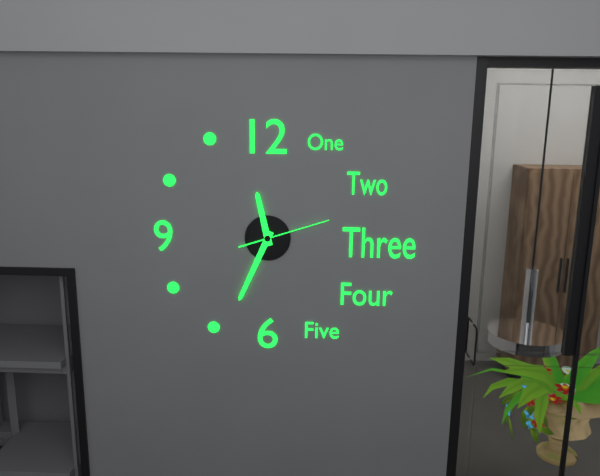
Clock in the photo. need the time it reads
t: 11:34:12
